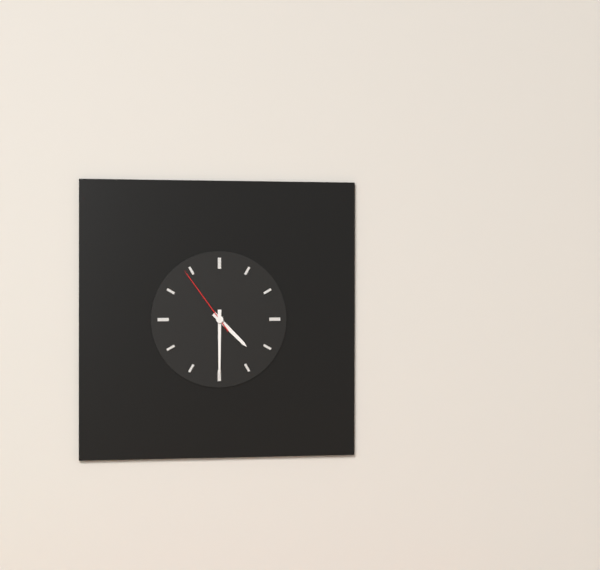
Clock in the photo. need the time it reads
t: 4:30:54
